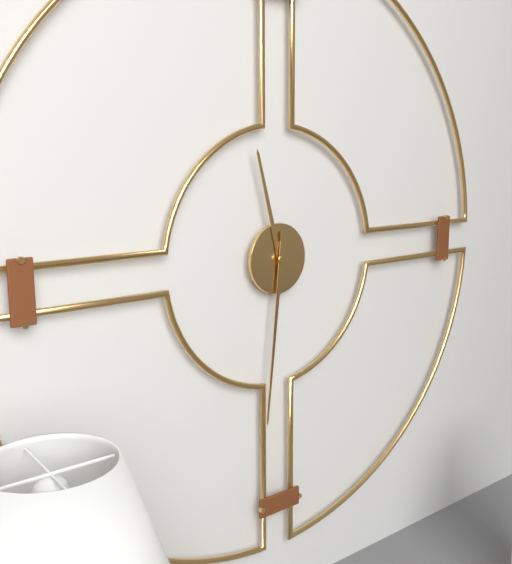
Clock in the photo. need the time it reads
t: 11:31
